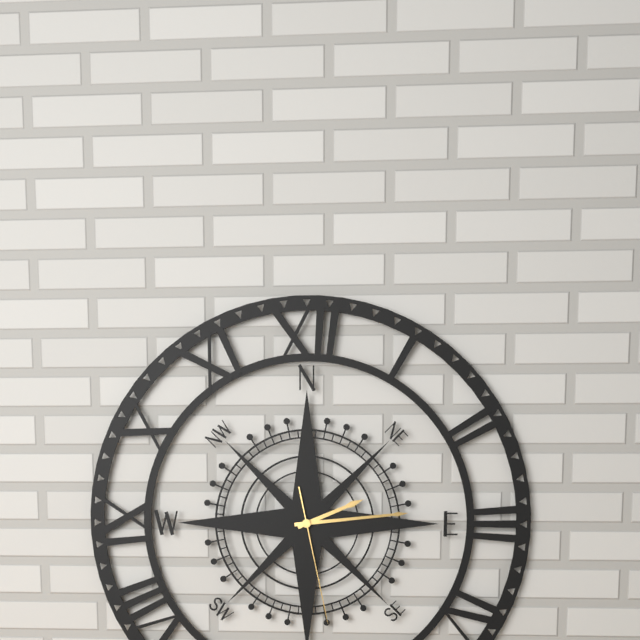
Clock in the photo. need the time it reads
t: 2:14:28
